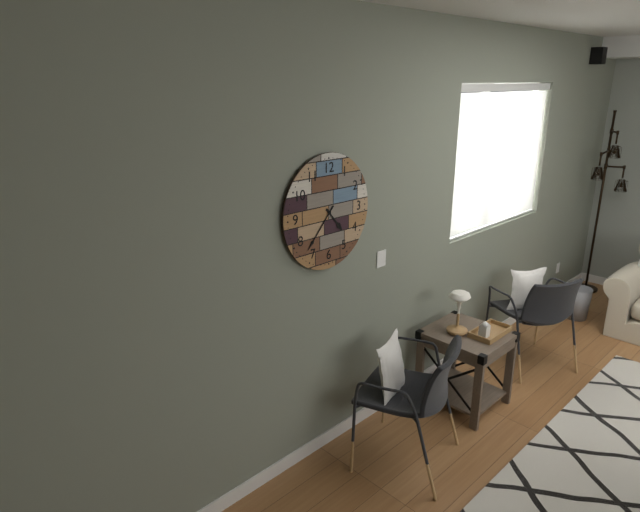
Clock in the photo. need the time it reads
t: 4:37
